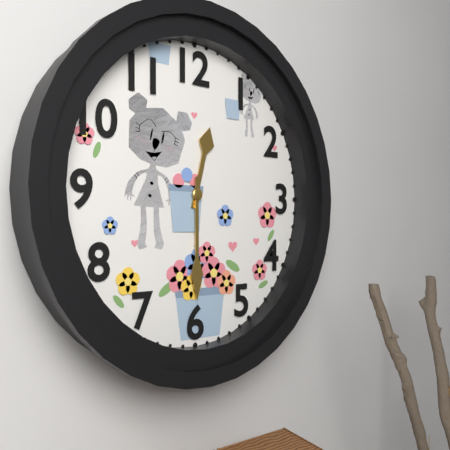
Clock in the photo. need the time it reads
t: 12:30
